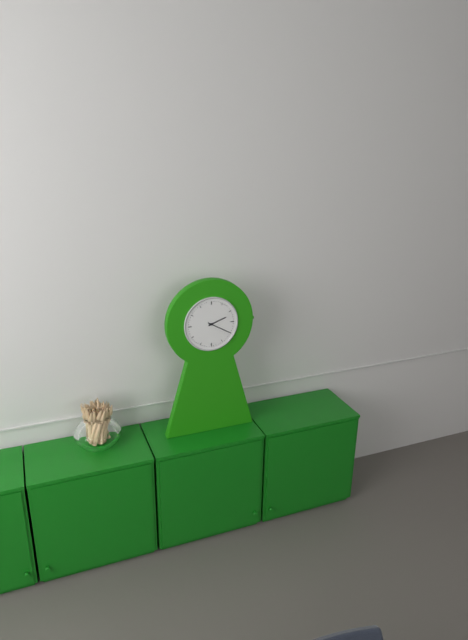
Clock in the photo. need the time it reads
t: 2:20
